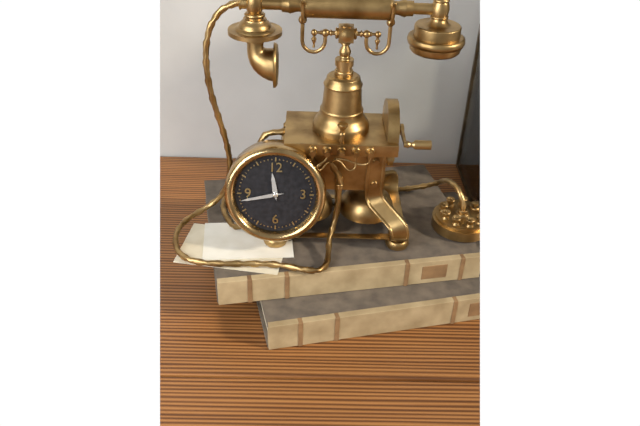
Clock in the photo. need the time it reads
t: 11:43
